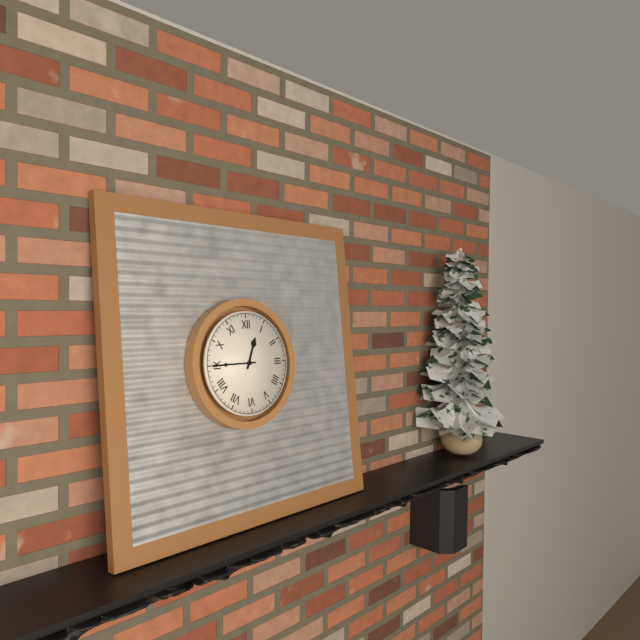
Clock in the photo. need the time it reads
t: 12:45
